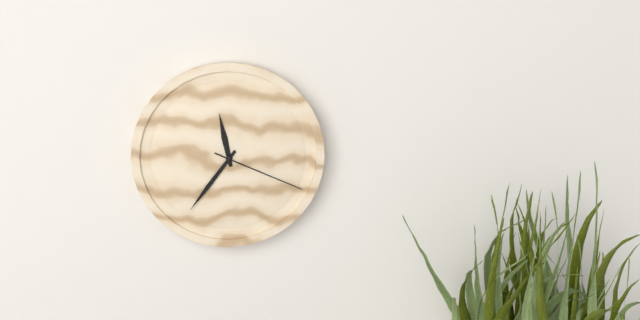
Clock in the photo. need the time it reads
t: 11:36:19
